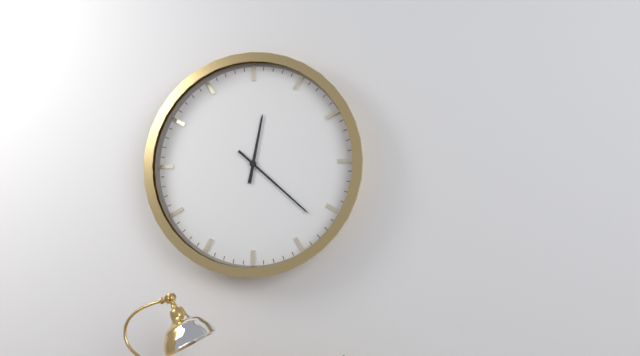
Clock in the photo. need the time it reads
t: 12:22
